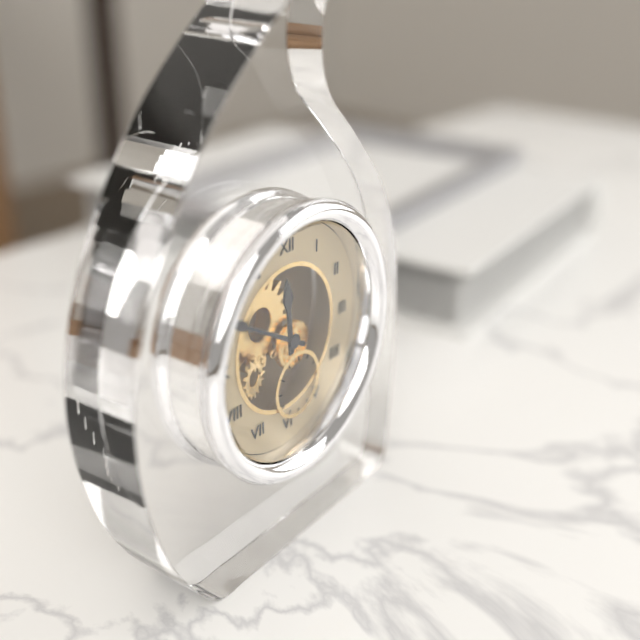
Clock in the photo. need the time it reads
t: 11:50
